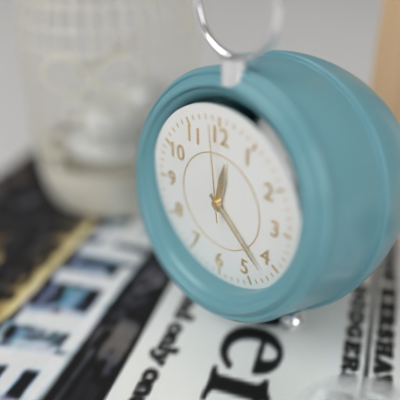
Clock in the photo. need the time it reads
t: 12:22:59
